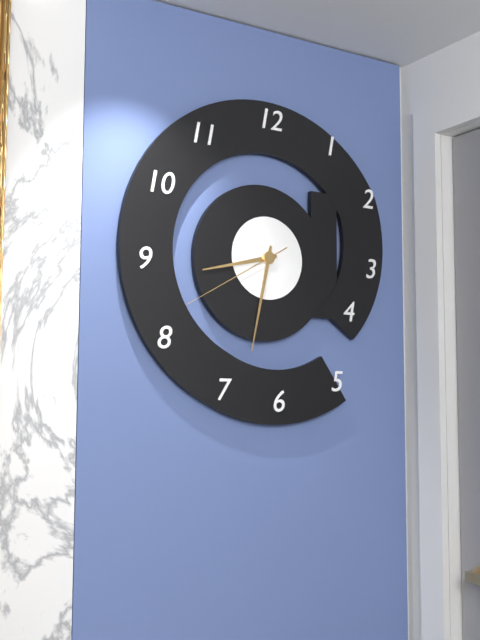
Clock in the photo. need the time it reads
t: 8:32:40
